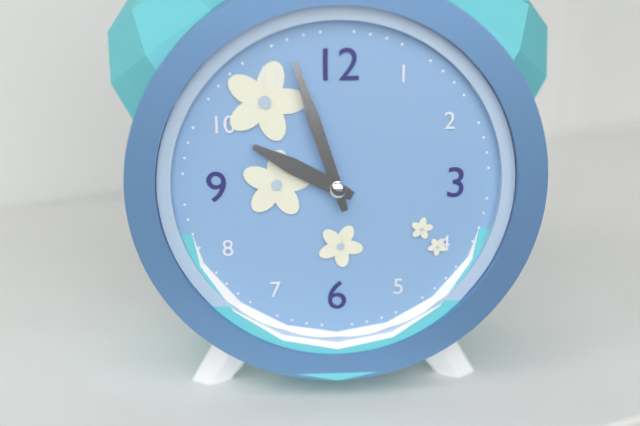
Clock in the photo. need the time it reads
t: 9:57
